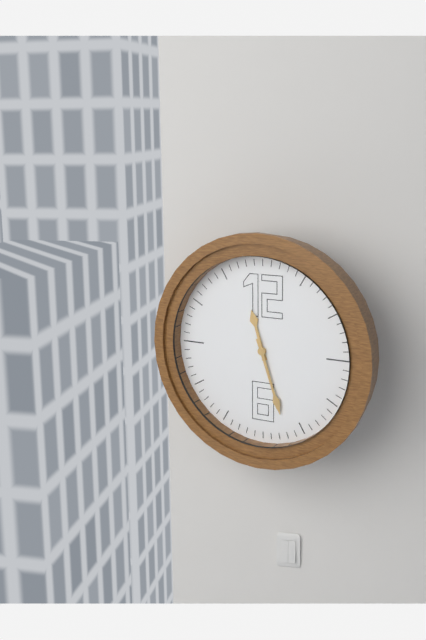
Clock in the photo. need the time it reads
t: 11:27
